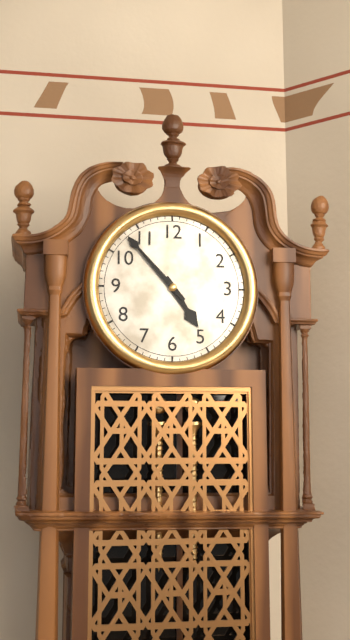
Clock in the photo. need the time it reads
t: 4:53
